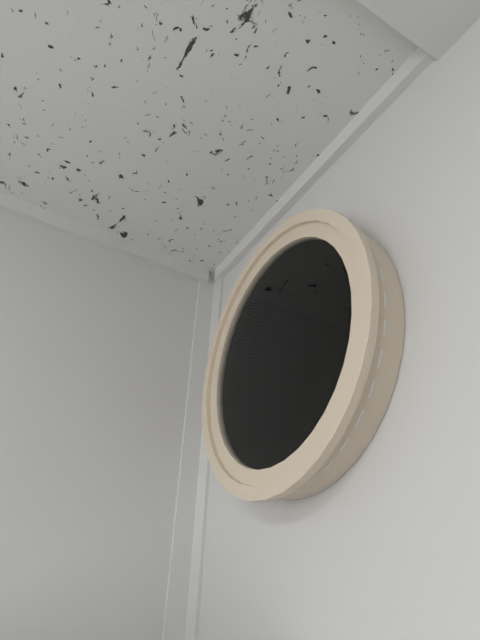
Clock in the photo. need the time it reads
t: 12:31:00
